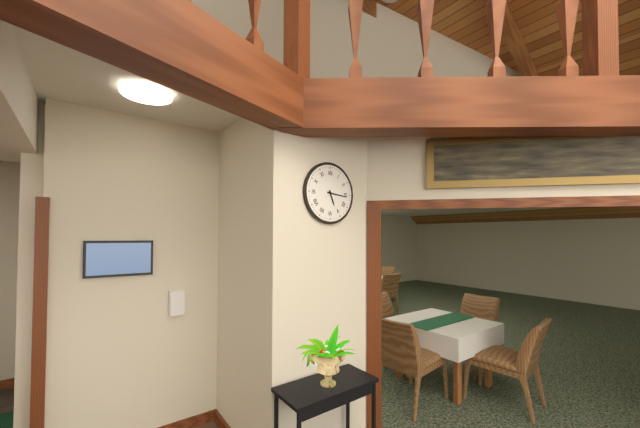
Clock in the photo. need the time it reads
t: 5:16
